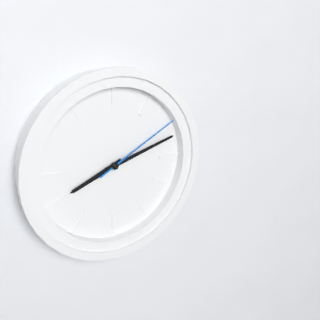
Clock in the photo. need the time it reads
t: 8:12:10
